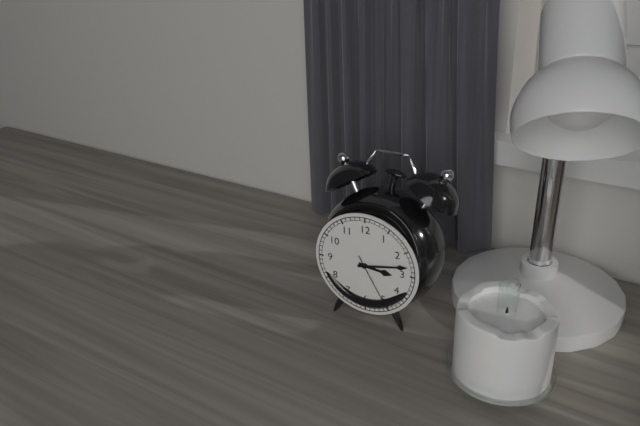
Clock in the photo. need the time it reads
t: 3:13:25
